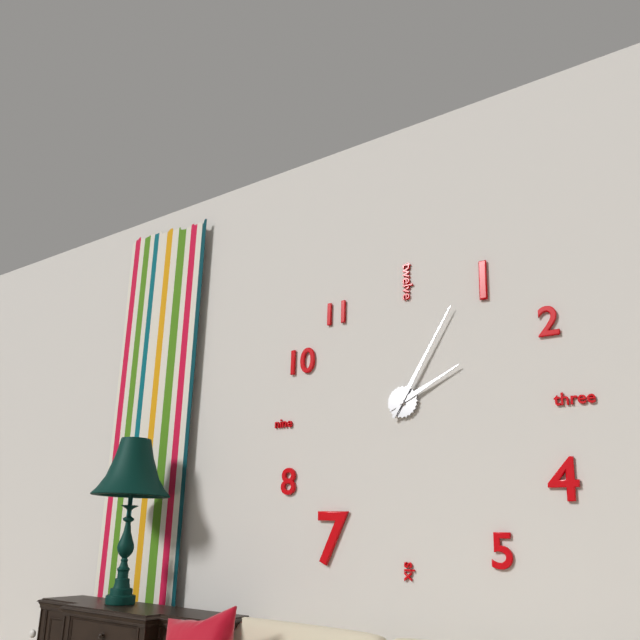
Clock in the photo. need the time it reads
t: 2:05
